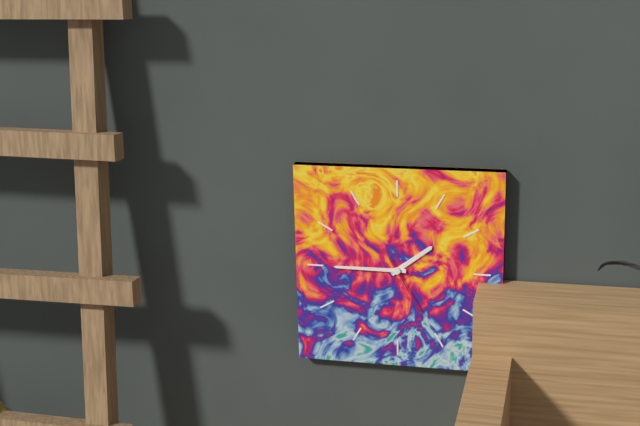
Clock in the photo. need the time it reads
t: 1:45:25
